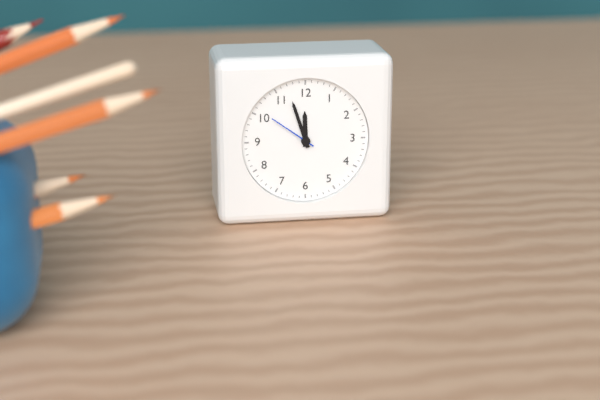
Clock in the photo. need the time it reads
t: 11:57:51
